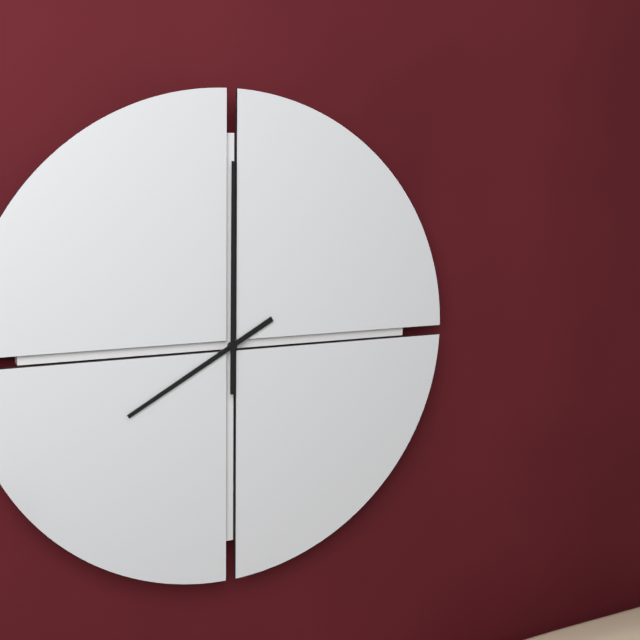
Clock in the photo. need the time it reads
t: 8:00
